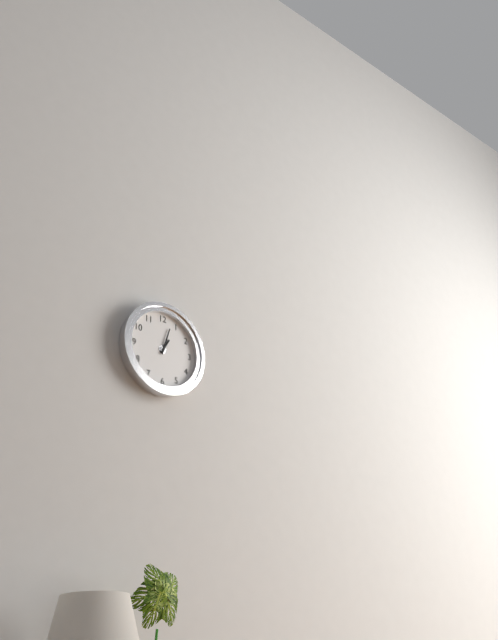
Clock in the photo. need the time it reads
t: 1:03
